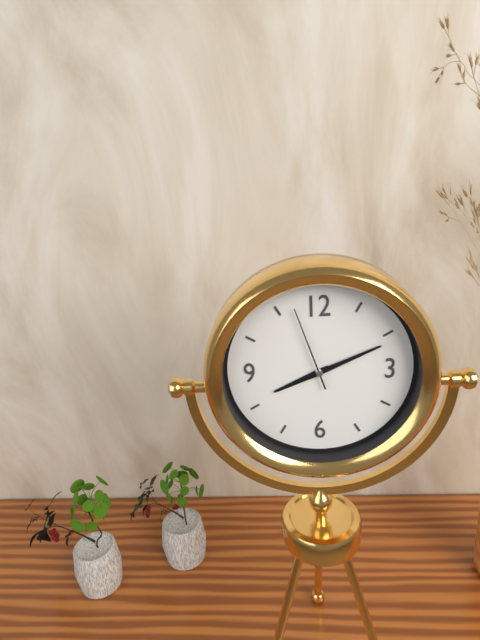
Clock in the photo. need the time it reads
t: 8:11:57
